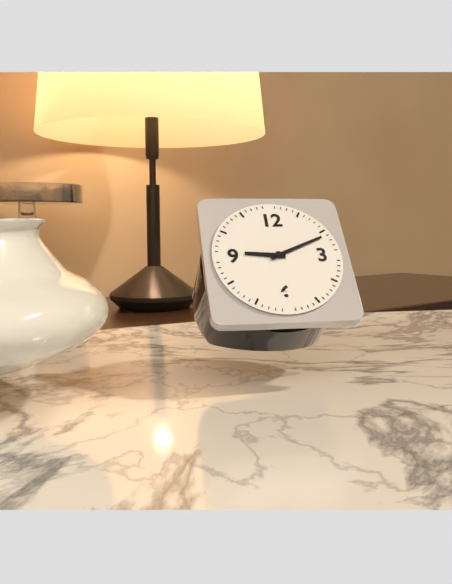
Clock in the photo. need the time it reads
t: 9:11
